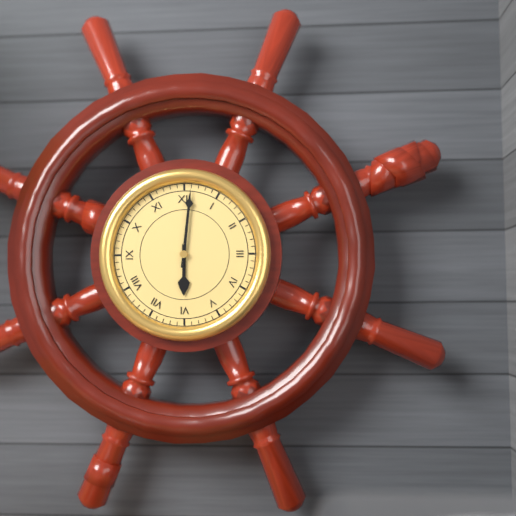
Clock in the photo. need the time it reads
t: 6:01
